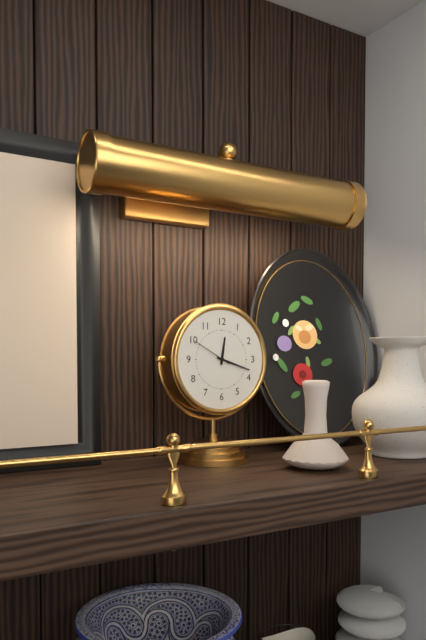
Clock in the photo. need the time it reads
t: 12:18
